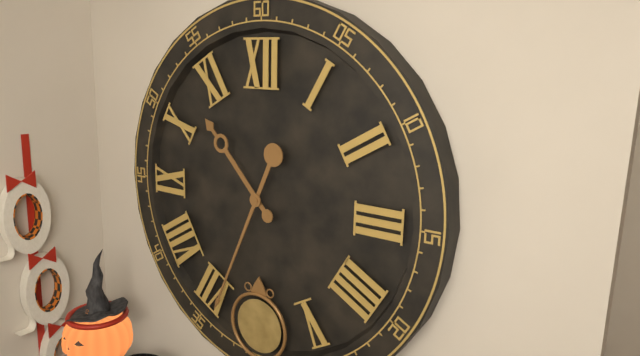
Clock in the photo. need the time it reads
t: 10:34
